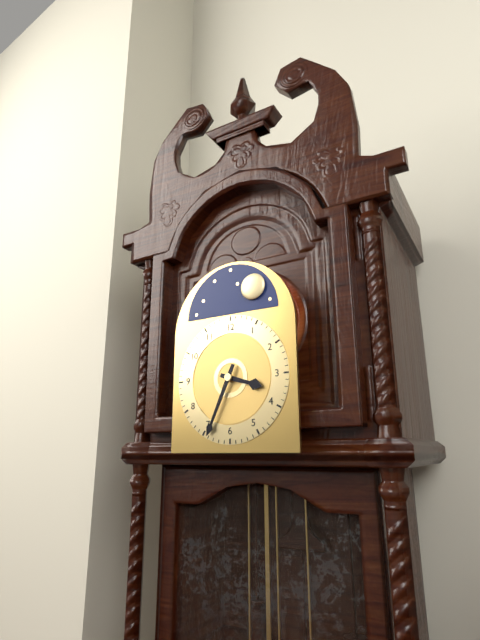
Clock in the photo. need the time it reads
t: 3:34
